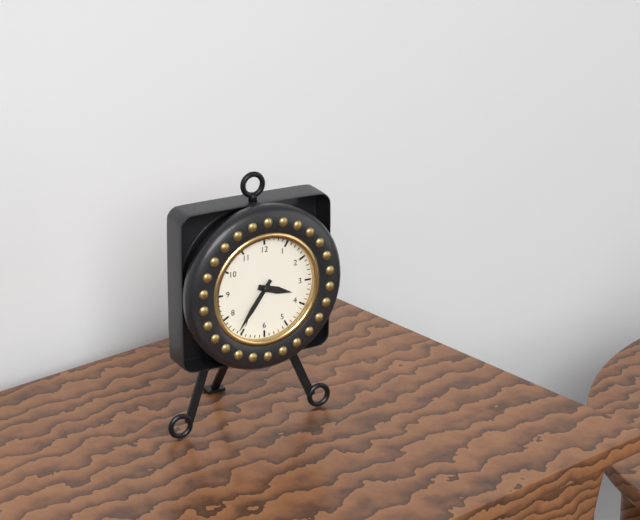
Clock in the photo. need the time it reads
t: 3:36
